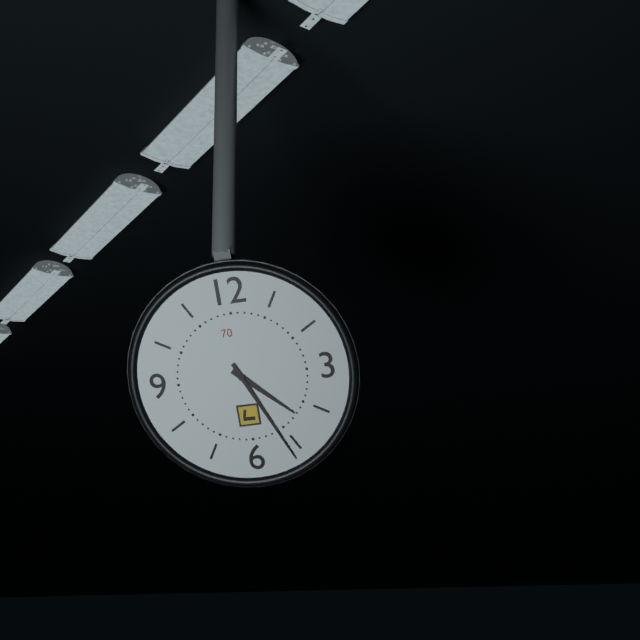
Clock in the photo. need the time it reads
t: 4:26
